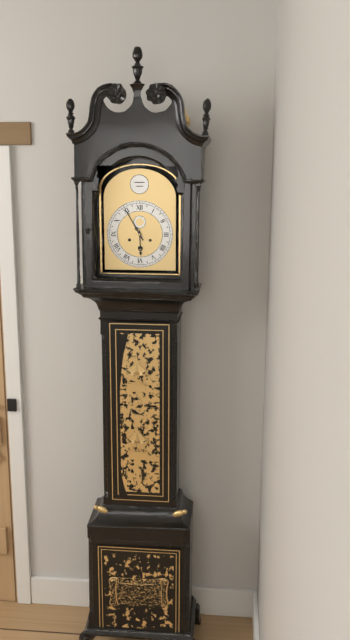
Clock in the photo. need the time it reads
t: 5:55
